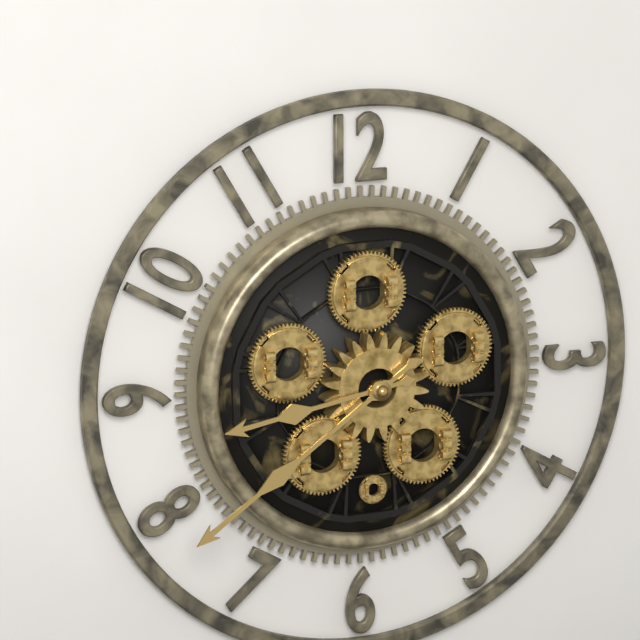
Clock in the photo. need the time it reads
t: 8:39
